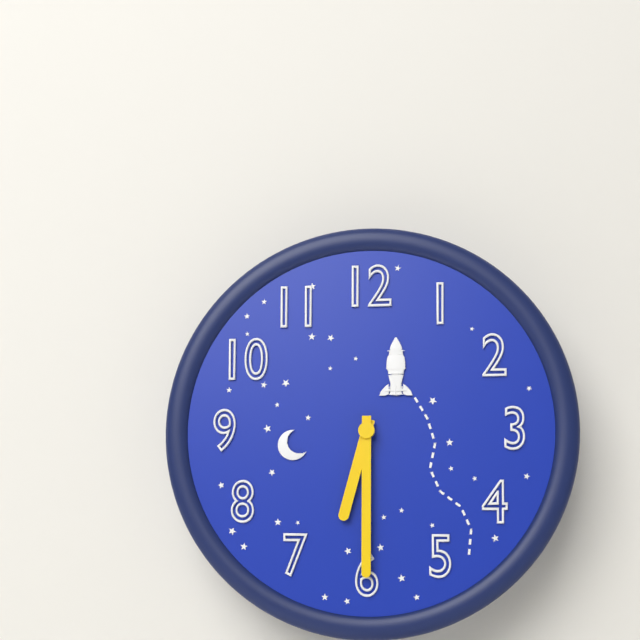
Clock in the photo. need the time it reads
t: 6:30
